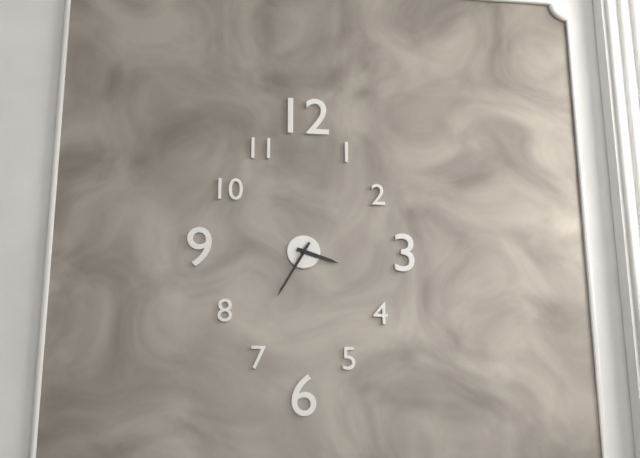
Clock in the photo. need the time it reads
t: 3:35
